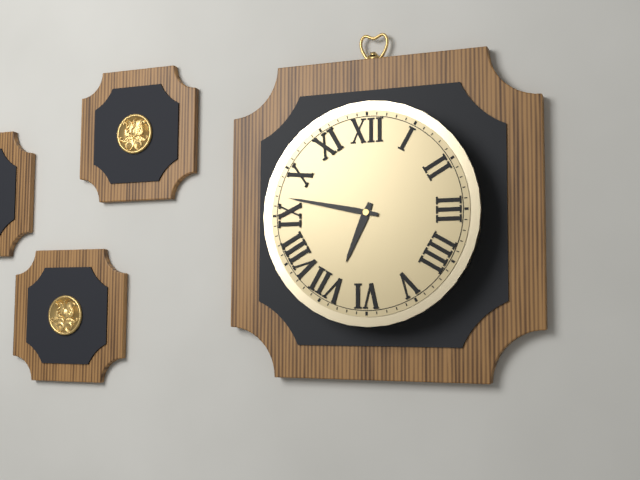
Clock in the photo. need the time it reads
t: 6:47
